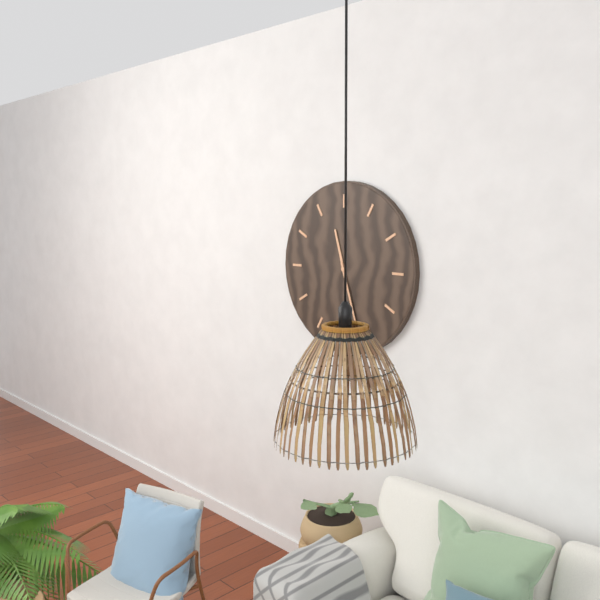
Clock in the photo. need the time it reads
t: 11:27
